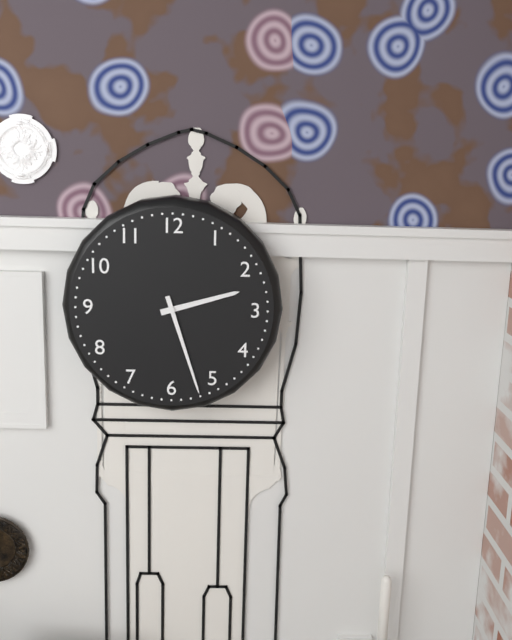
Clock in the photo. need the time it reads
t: 2:27
